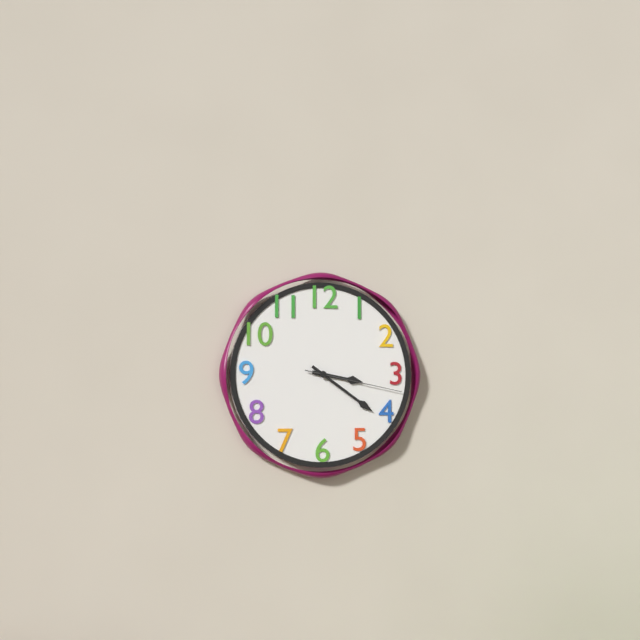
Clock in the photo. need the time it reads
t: 3:21:17
